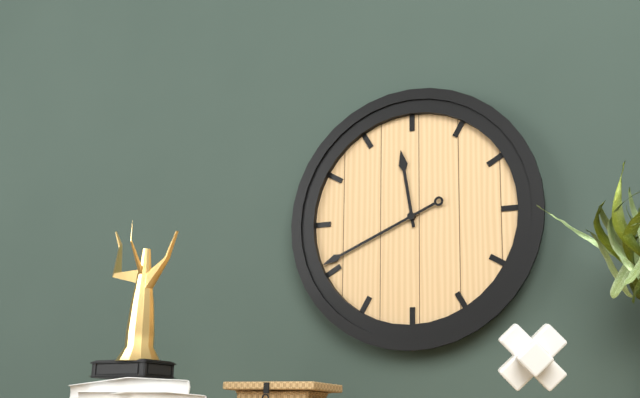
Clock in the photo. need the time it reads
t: 11:41
